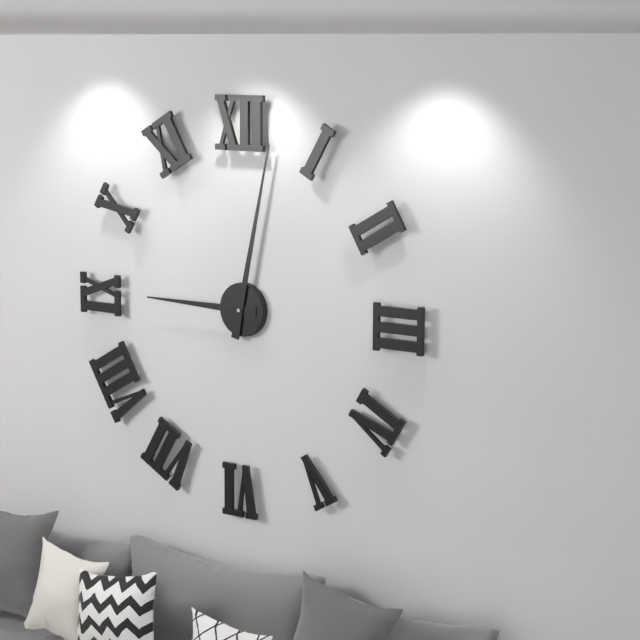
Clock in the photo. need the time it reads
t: 9:02
